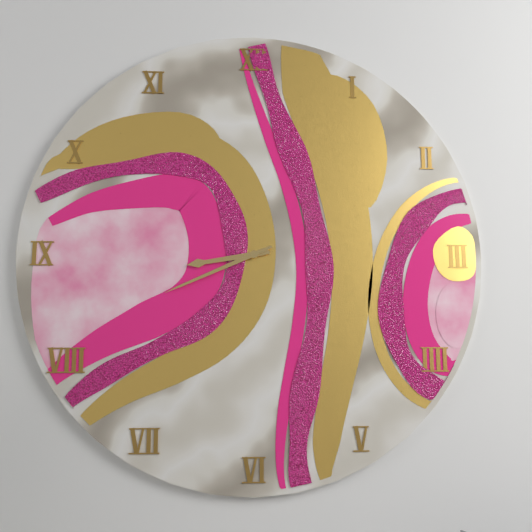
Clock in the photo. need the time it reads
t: 8:41
